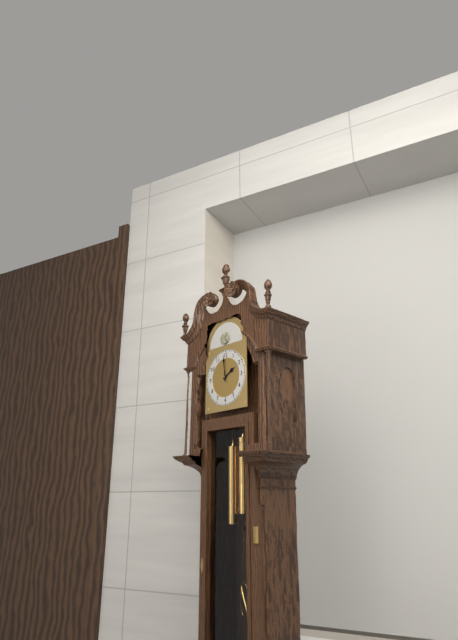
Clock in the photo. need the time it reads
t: 1:59
